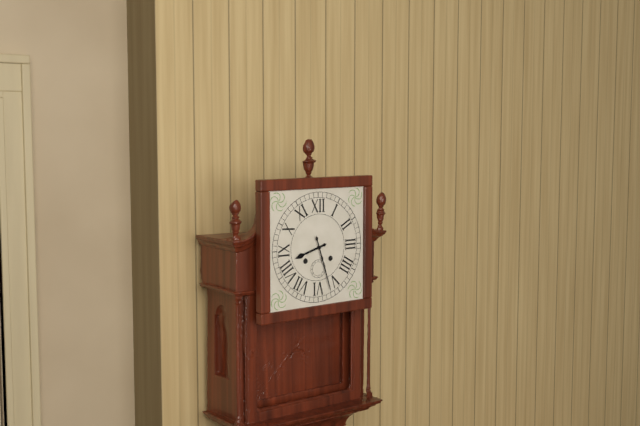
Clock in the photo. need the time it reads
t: 8:27
